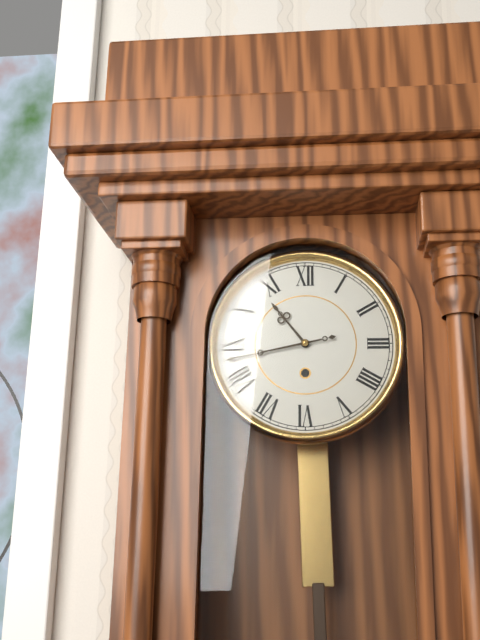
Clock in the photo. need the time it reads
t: 10:43
